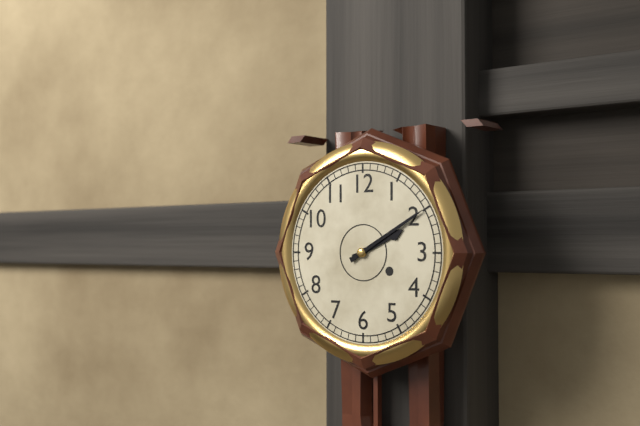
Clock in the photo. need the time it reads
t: 2:10
